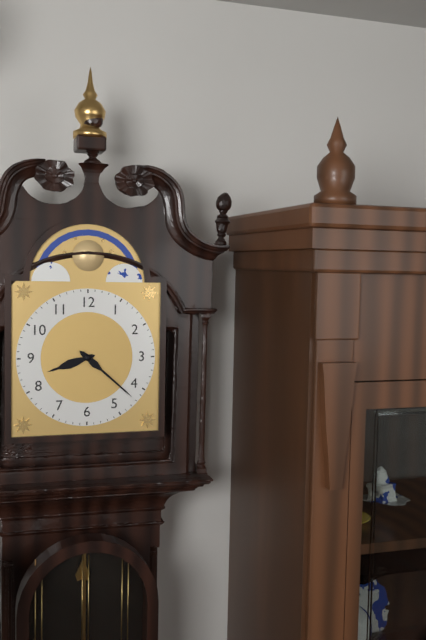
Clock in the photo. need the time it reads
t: 8:22
